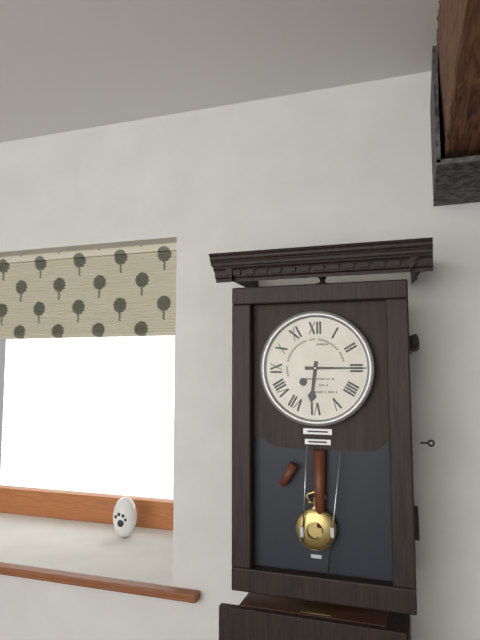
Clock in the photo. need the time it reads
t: 6:15
